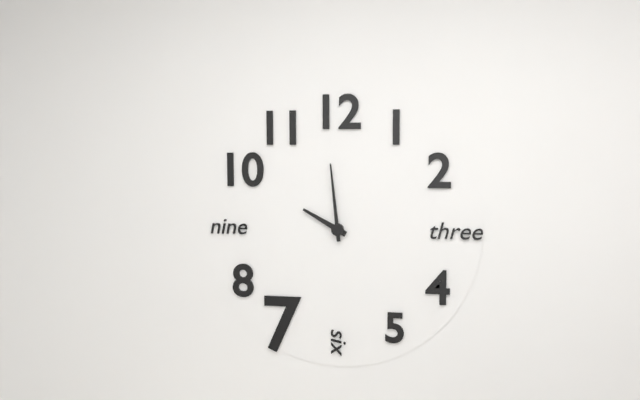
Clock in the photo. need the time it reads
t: 9:59
